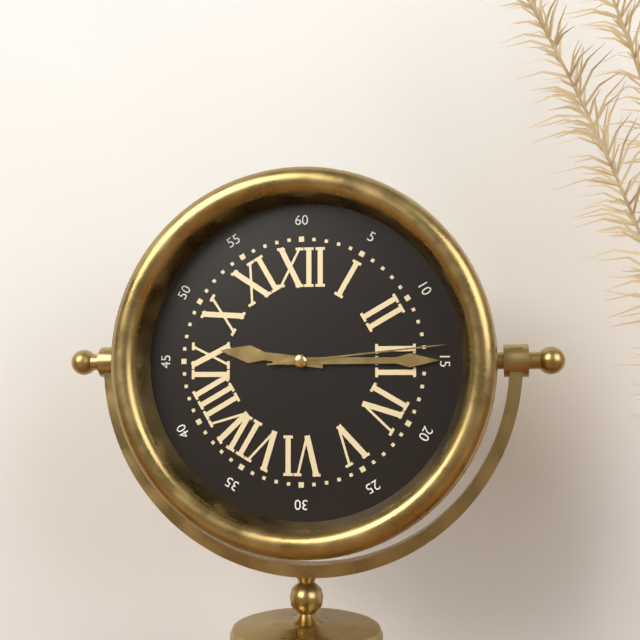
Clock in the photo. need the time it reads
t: 9:15:14
